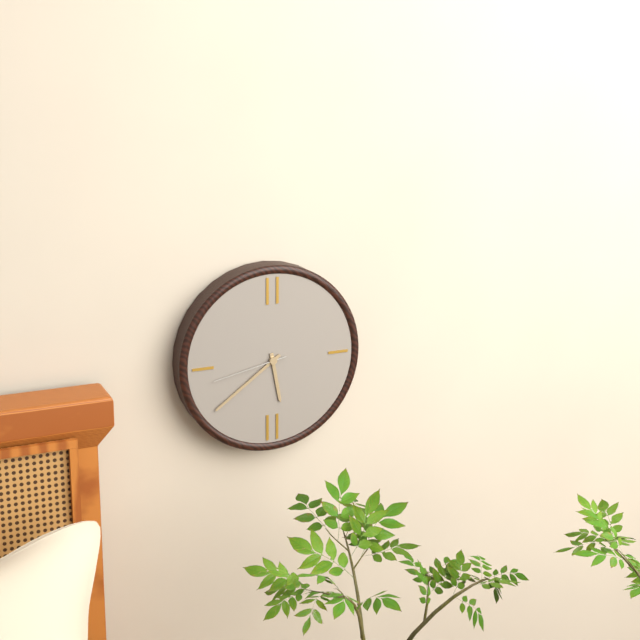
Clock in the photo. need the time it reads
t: 5:39:43
